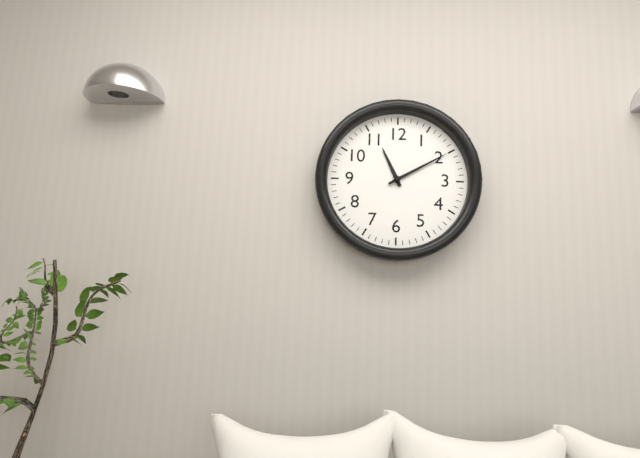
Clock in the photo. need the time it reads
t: 11:10
